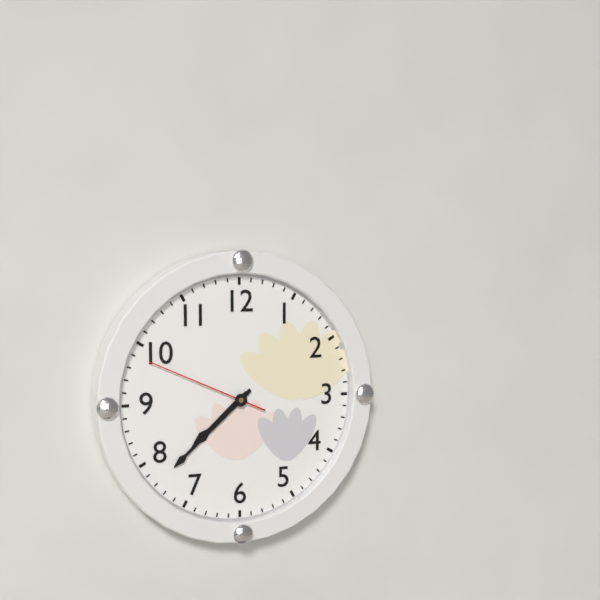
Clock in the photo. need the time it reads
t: 7:38:49
